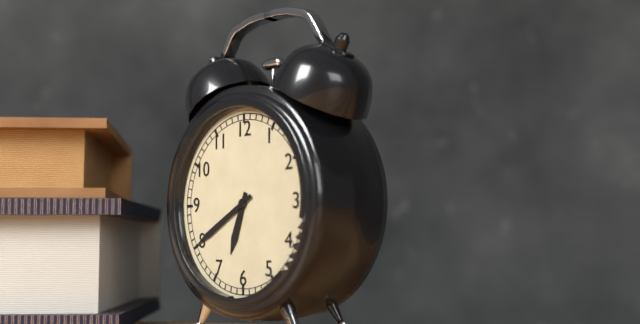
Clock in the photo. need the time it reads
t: 6:40
